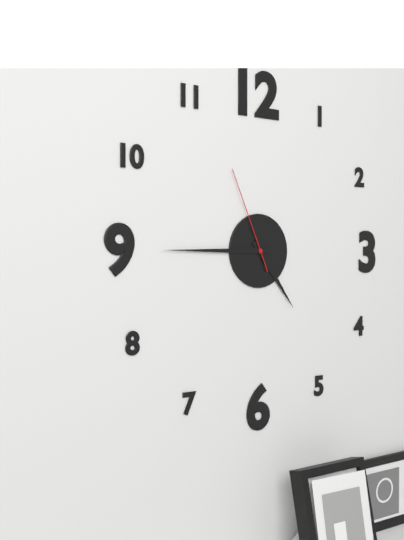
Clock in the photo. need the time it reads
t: 4:45:56
